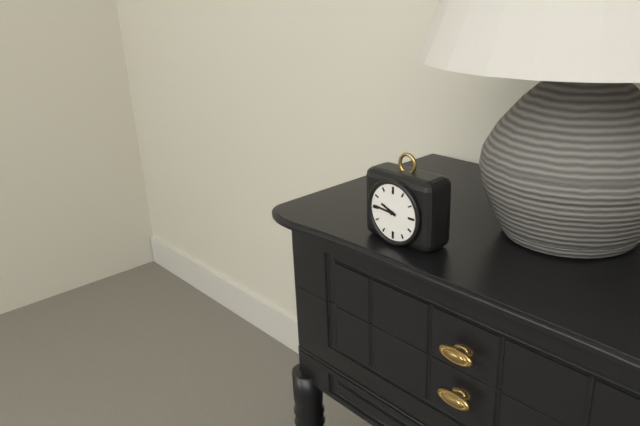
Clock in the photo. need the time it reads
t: 9:46
